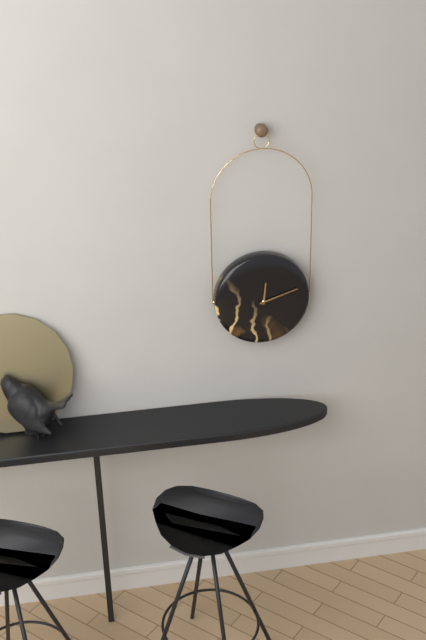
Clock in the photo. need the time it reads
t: 12:12
